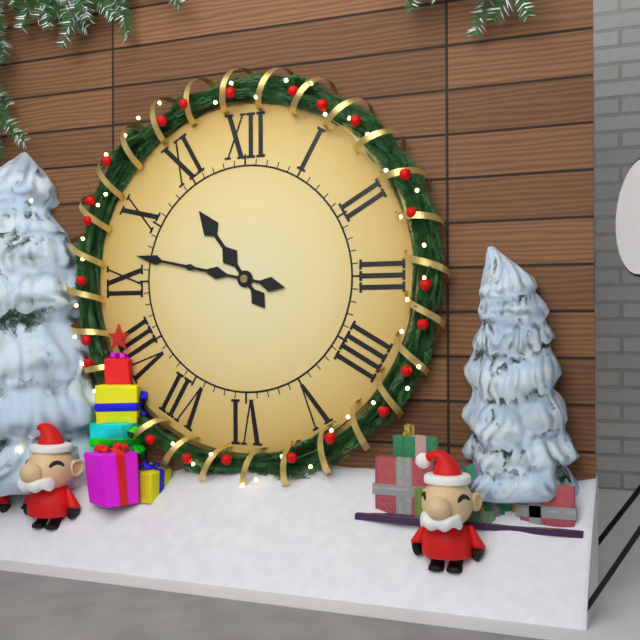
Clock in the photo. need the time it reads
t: 10:47
